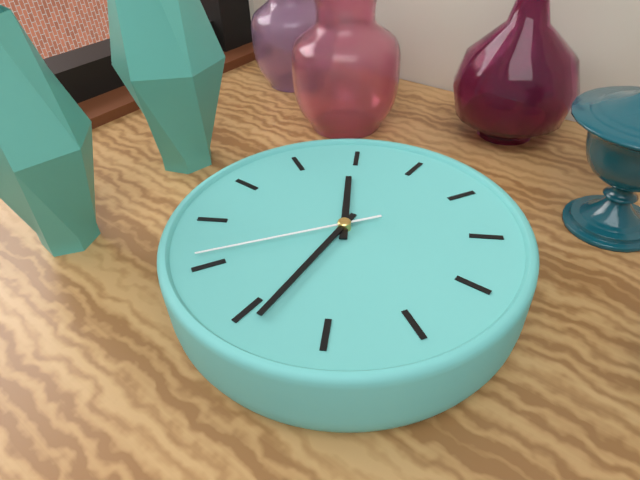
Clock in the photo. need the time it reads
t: 3:54:01
